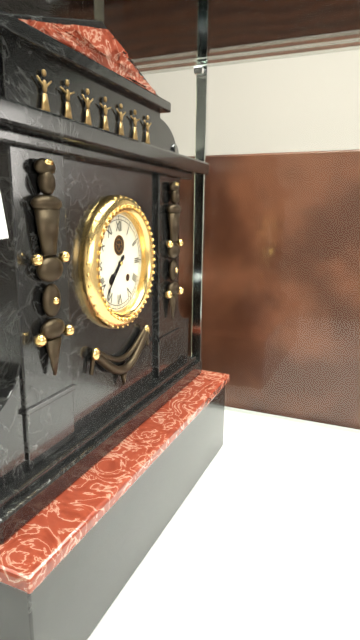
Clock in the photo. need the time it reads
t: 7:37
